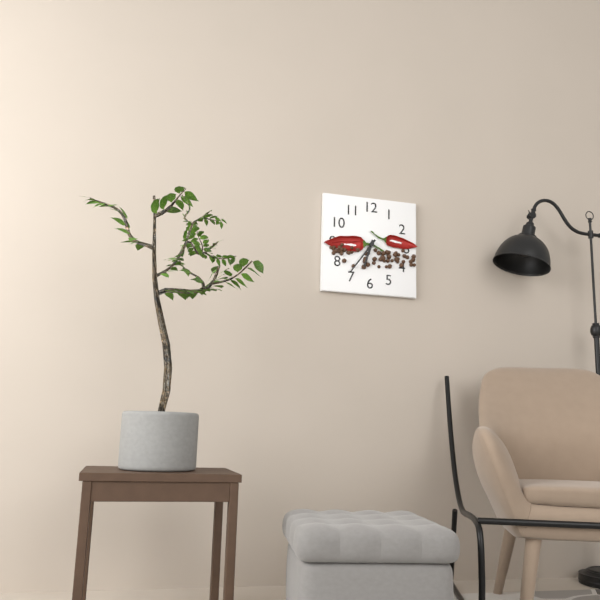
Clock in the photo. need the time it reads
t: 6:36
